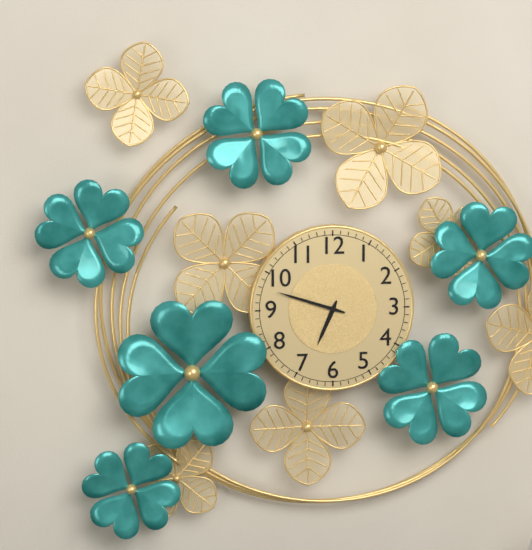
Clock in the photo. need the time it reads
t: 6:48
